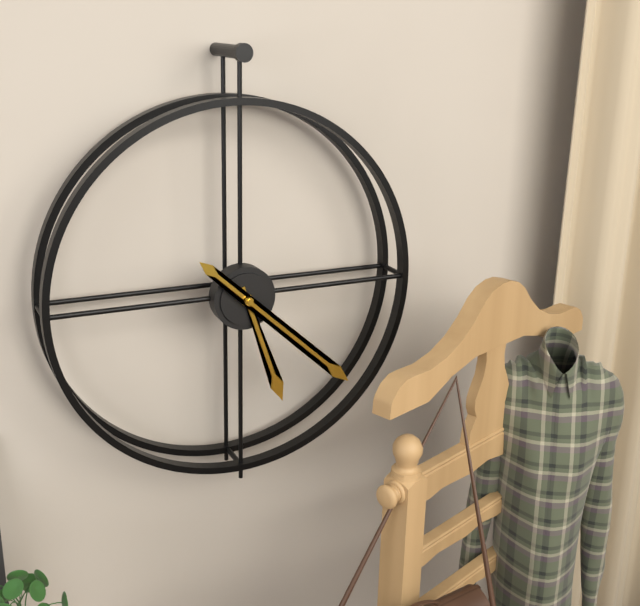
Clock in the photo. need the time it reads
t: 5:22
